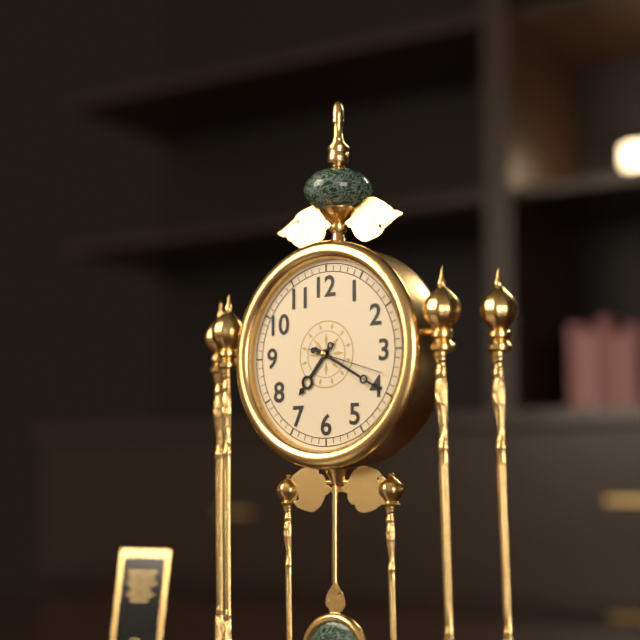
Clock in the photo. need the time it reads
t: 7:20:18
